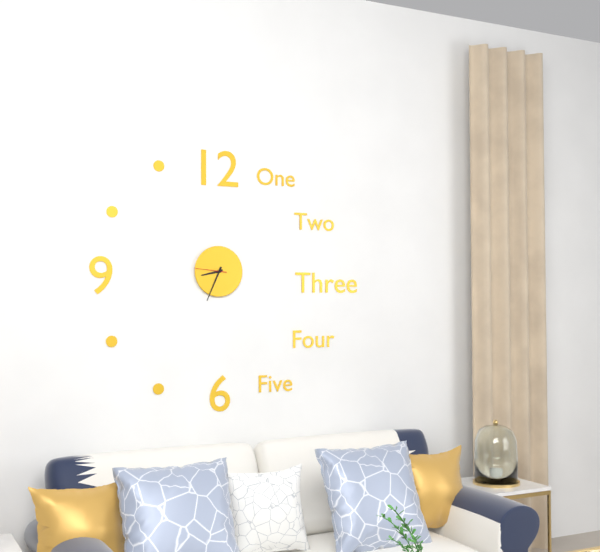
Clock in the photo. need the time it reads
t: 8:34
